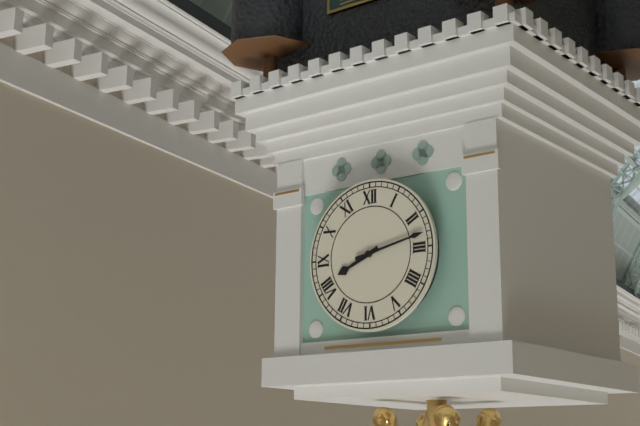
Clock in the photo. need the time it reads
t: 8:13
